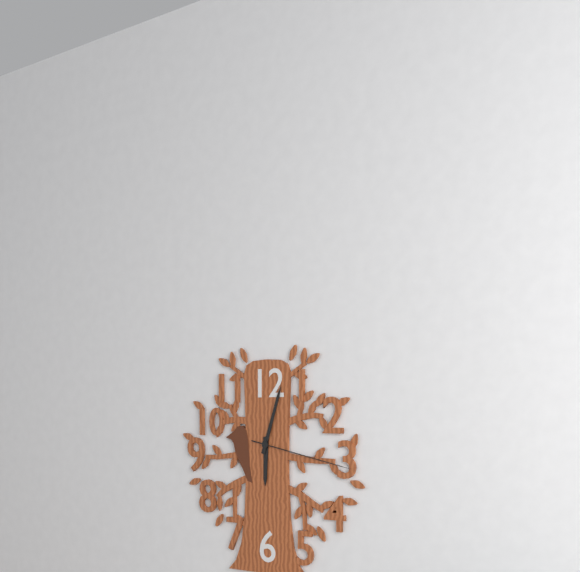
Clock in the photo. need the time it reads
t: 6:03:17
